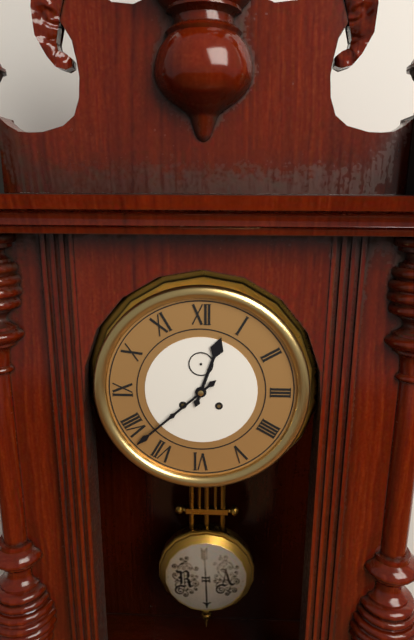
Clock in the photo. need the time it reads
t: 12:38
